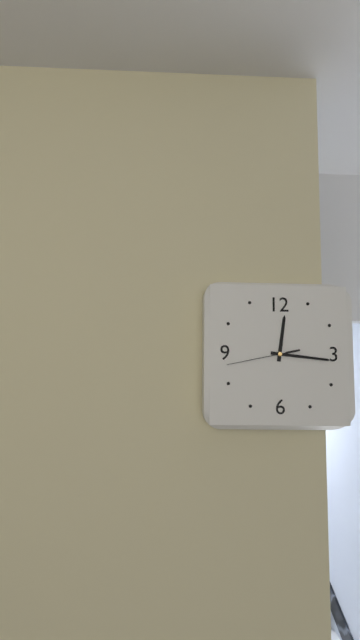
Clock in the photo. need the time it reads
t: 12:16:43
